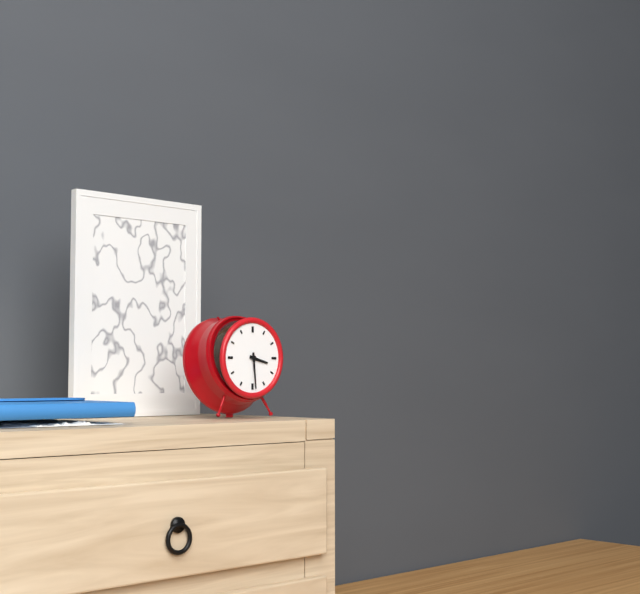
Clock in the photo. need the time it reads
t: 3:29
